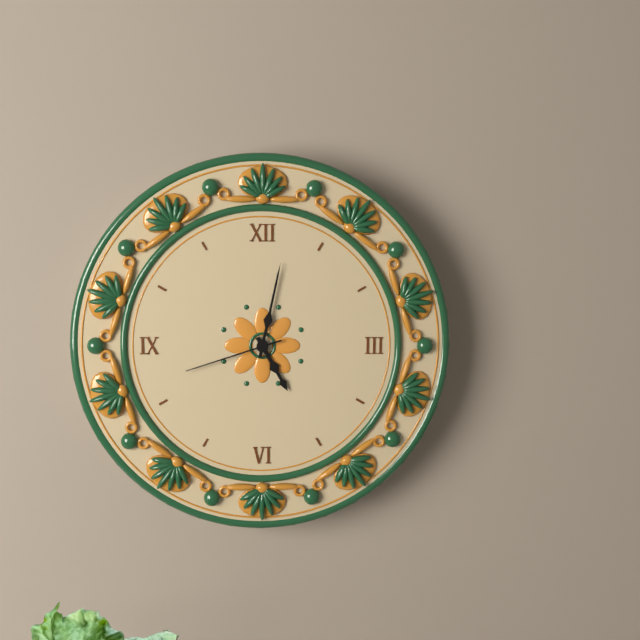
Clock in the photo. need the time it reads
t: 5:02:42
